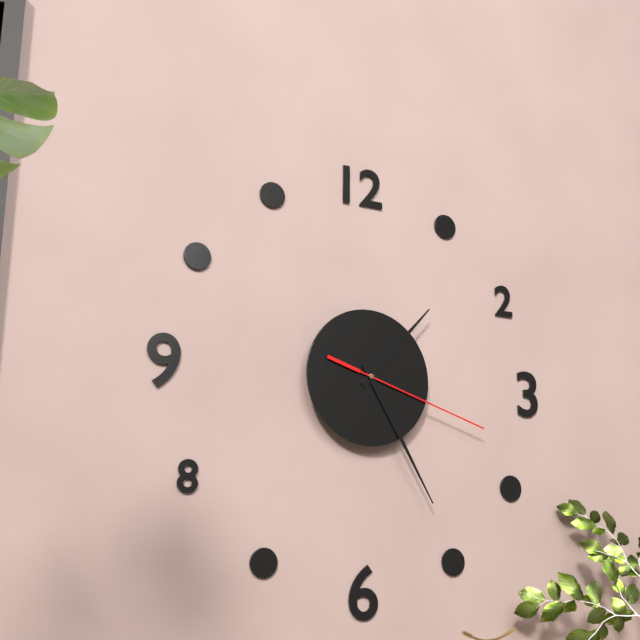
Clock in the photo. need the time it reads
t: 1:25:18
